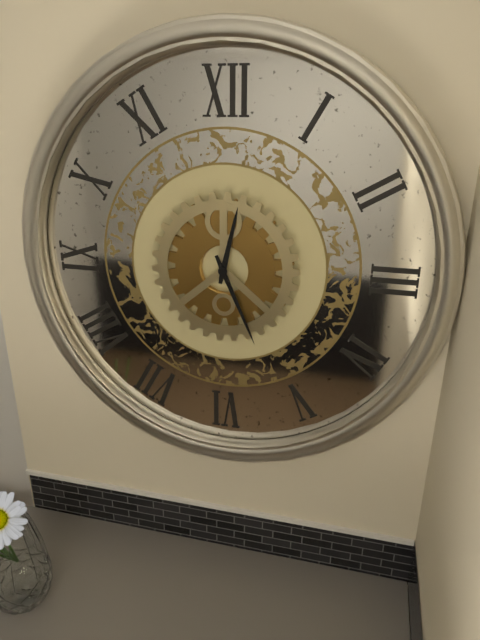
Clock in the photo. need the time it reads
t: 12:26
